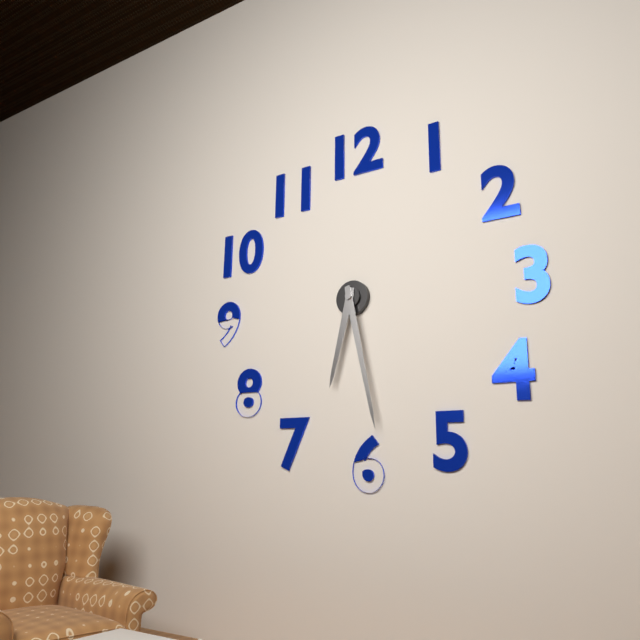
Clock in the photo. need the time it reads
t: 6:28
